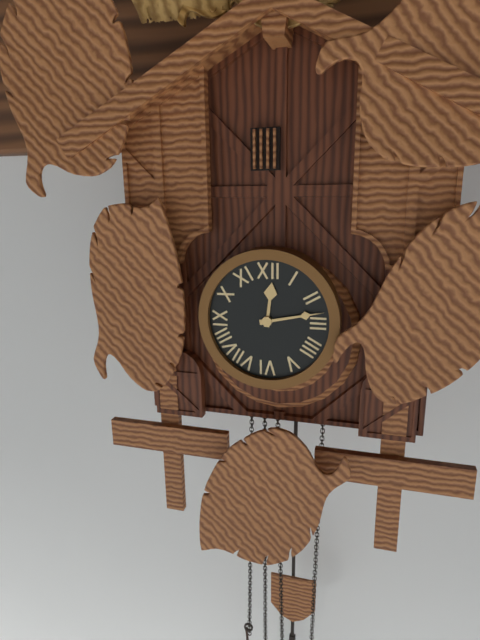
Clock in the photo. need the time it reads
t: 12:13
